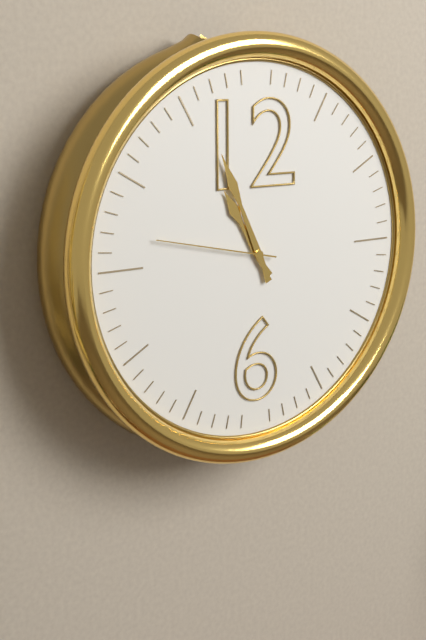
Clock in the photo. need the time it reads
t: 10:56:47
